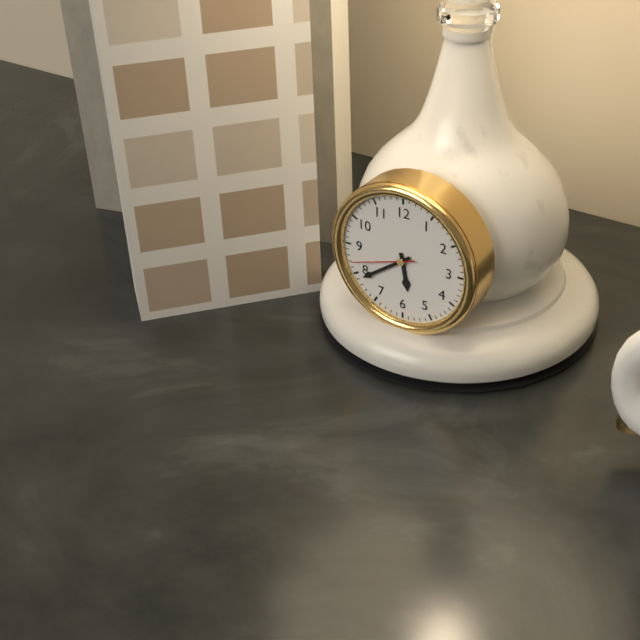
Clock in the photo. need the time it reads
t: 5:39:42
